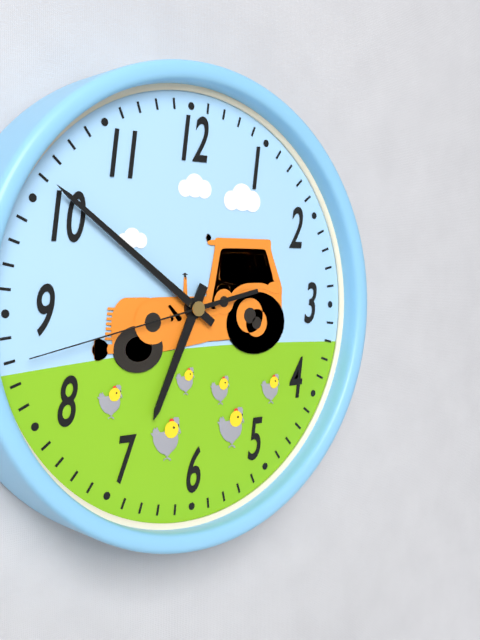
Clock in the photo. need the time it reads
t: 6:51:43
